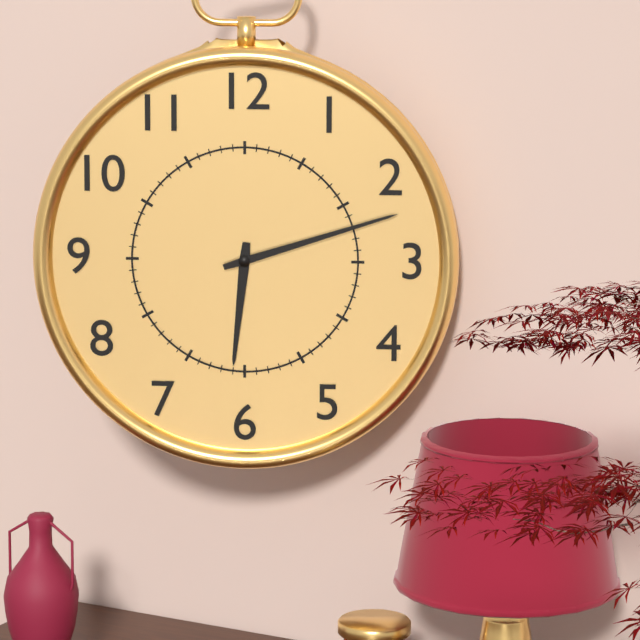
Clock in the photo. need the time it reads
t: 6:12
